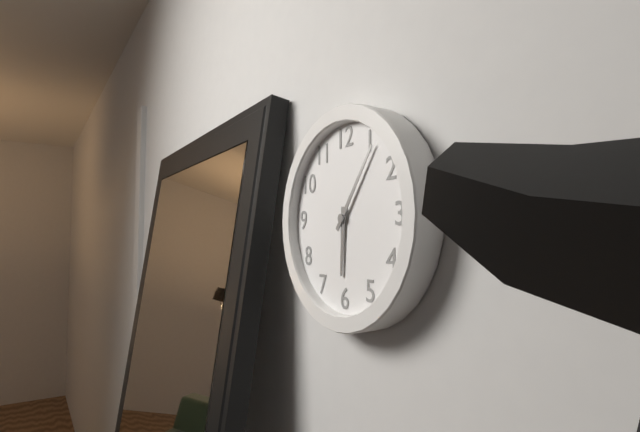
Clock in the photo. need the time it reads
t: 6:06
